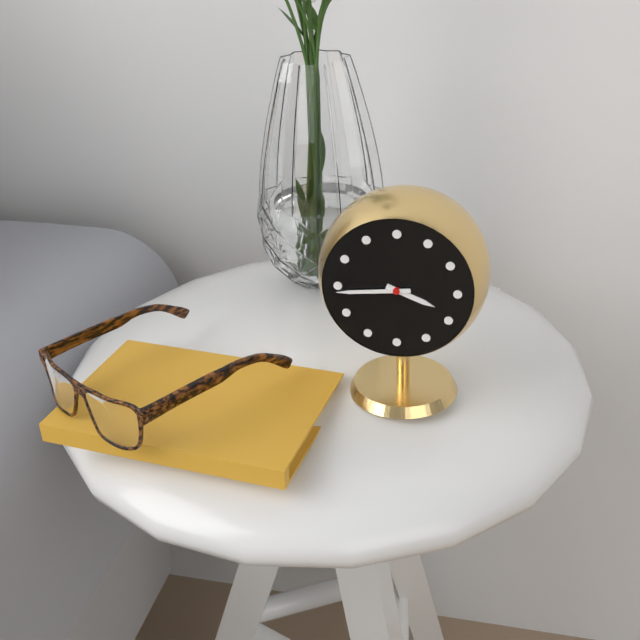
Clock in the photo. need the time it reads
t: 3:44
